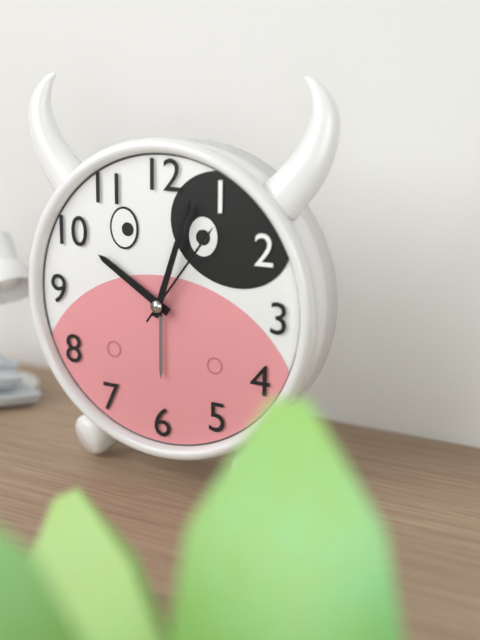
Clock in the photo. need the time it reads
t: 10:03:06
